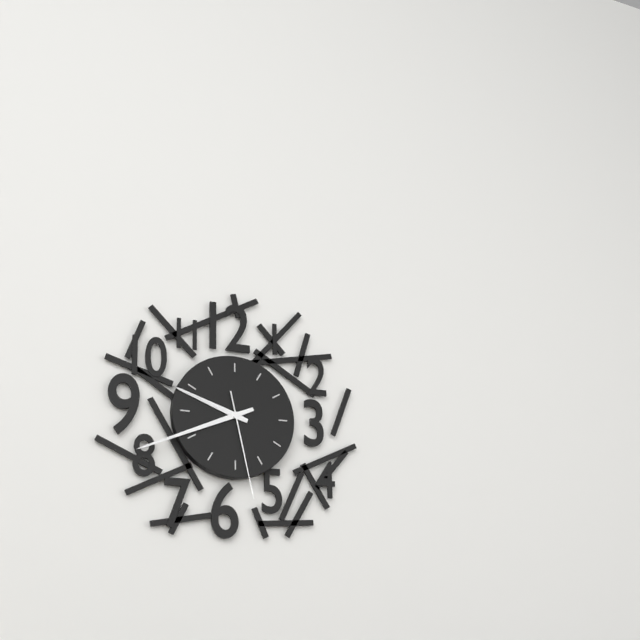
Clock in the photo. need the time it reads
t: 9:41:28
